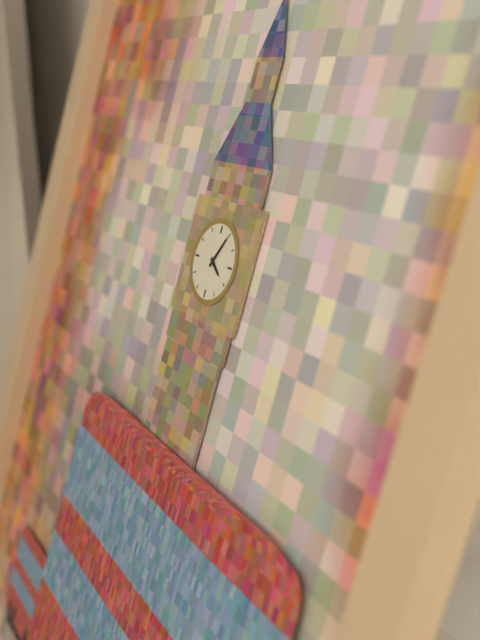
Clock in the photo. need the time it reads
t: 4:05
